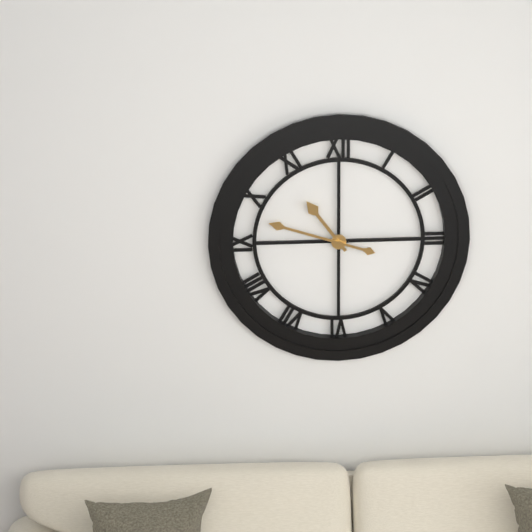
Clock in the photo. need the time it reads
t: 10:48
